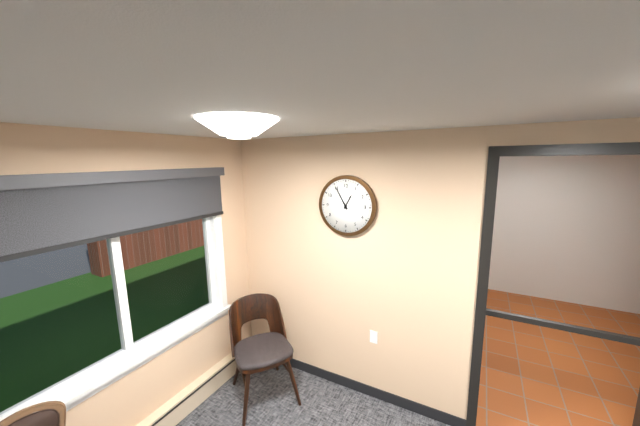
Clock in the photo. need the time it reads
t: 12:55
